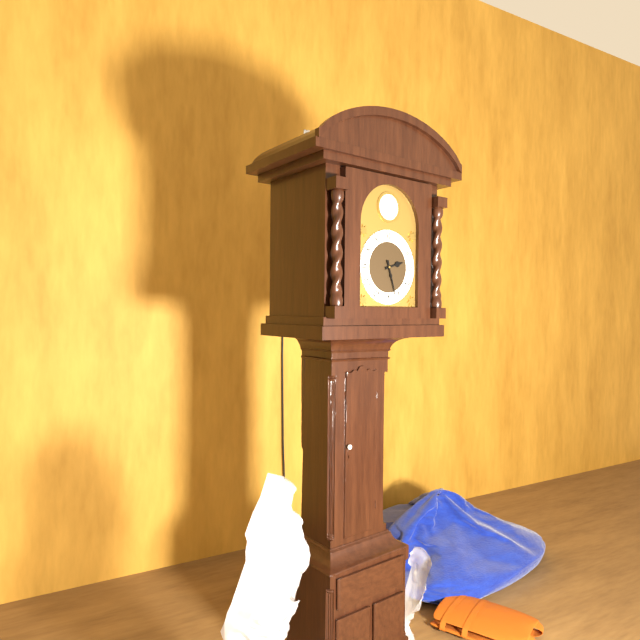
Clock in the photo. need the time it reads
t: 2:27
